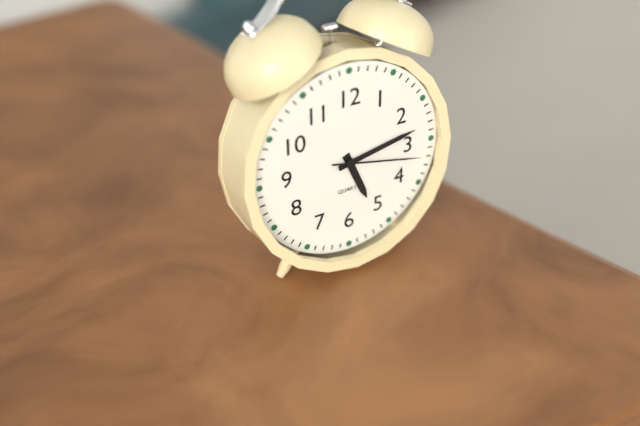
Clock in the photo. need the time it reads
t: 5:13:17
